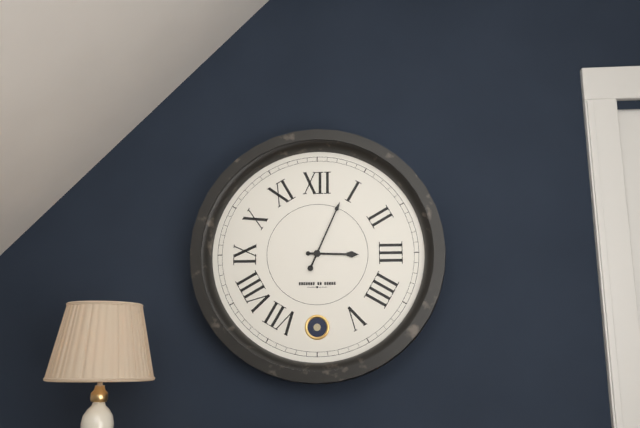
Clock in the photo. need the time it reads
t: 3:04
